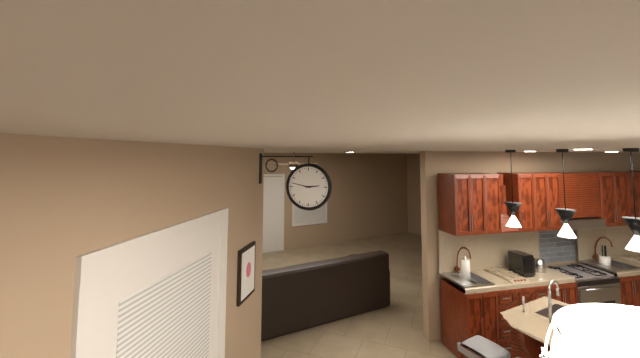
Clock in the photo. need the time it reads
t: 2:47
